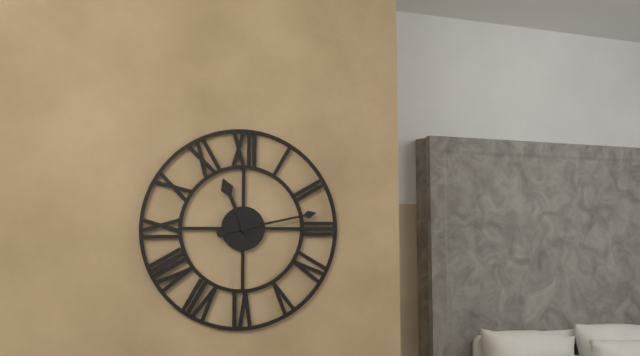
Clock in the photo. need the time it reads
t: 11:13
